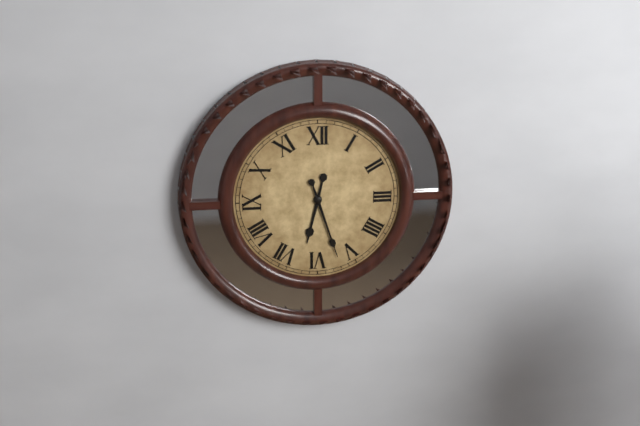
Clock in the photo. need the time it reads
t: 6:27
